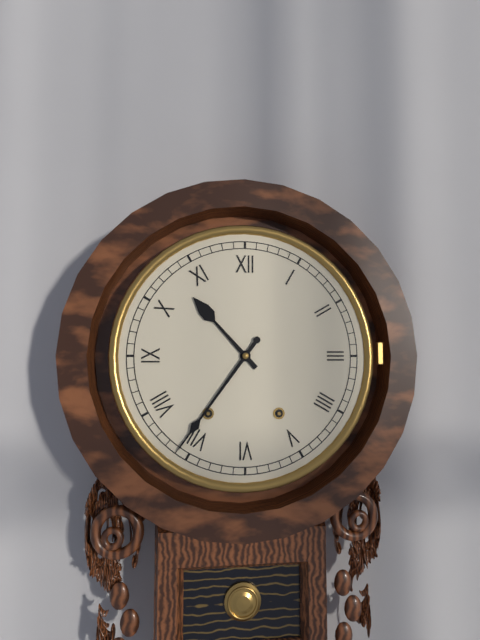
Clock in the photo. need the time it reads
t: 10:36
